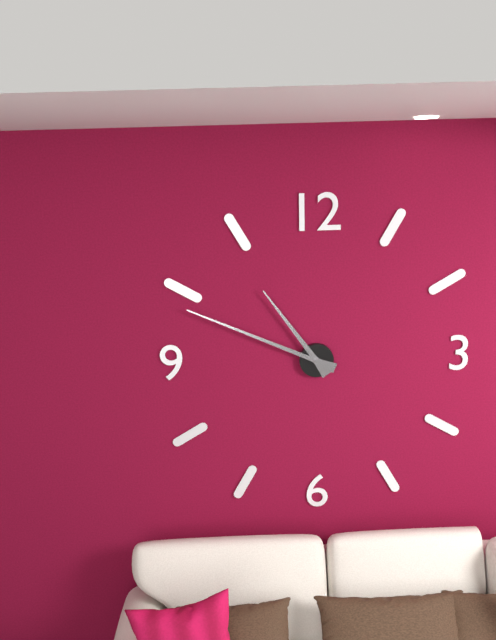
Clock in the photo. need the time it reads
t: 10:49
